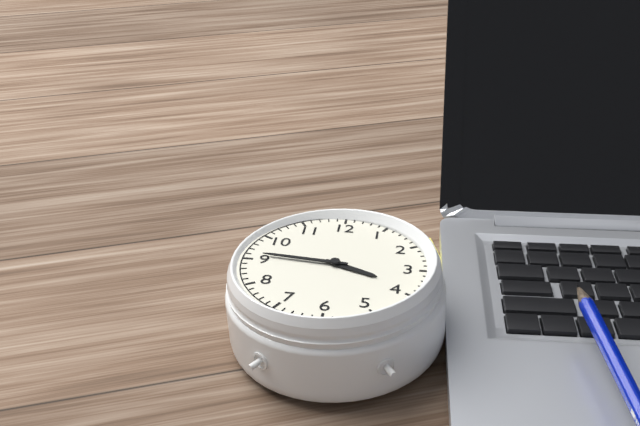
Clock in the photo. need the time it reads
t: 3:46
